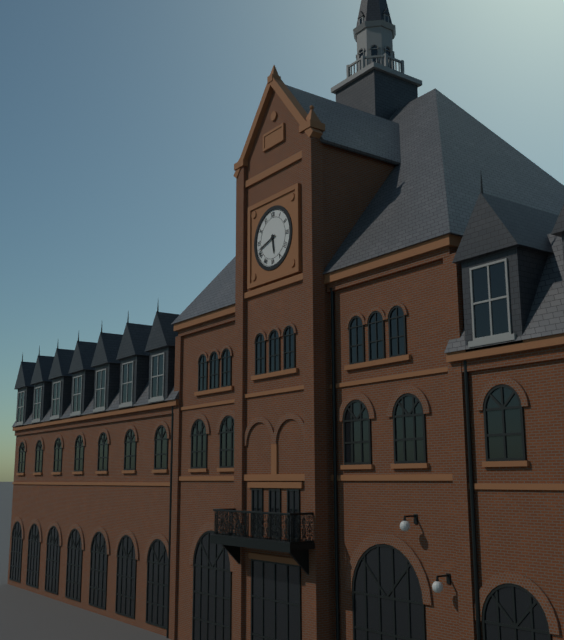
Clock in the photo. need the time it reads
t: 5:42
